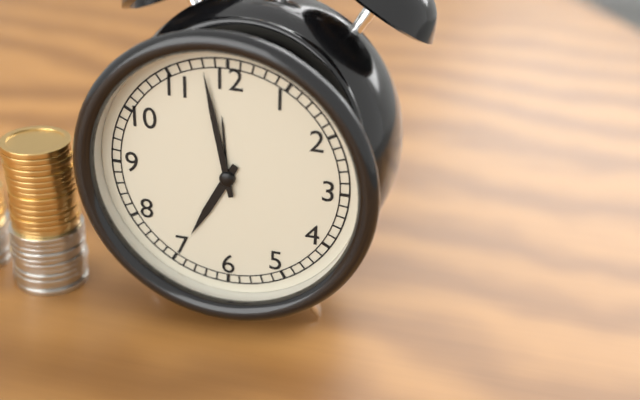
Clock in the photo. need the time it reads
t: 6:58
